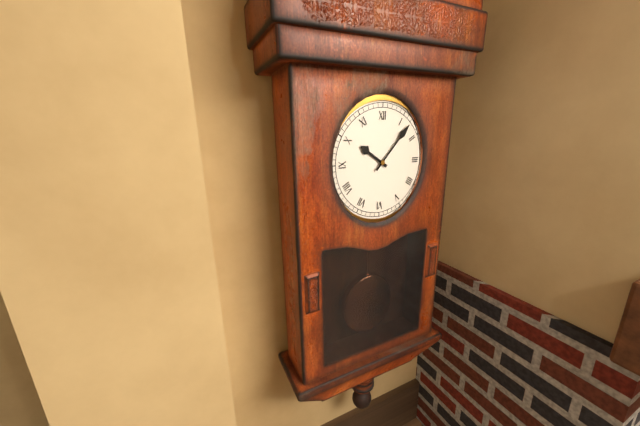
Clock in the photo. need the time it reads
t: 10:07
